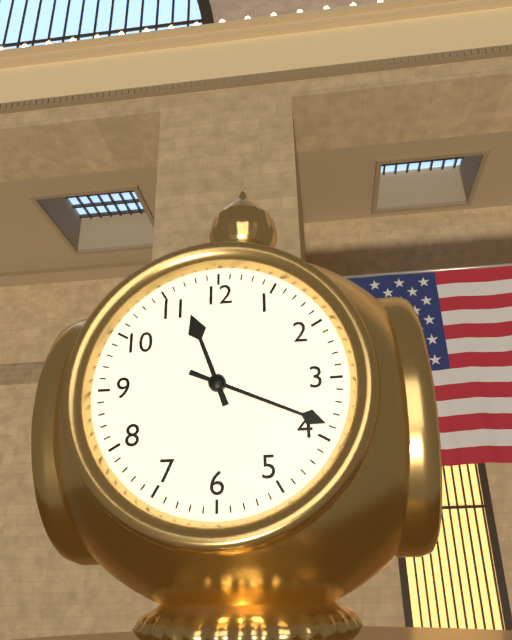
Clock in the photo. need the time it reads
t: 11:19
